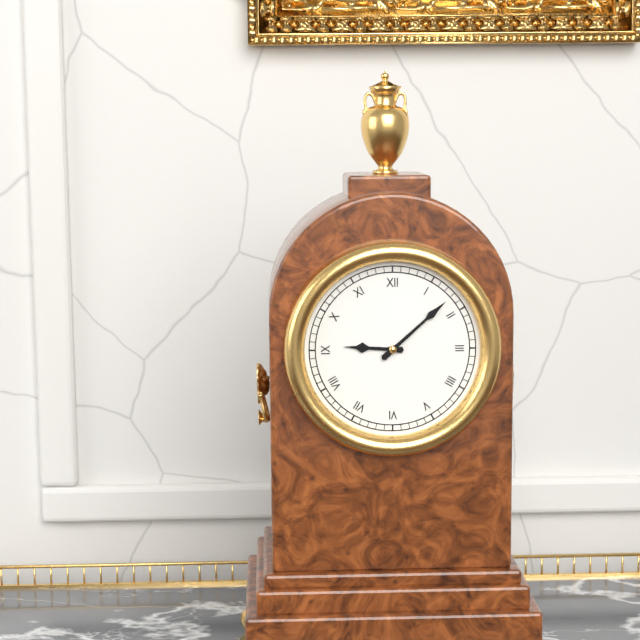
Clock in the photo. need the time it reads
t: 9:08
